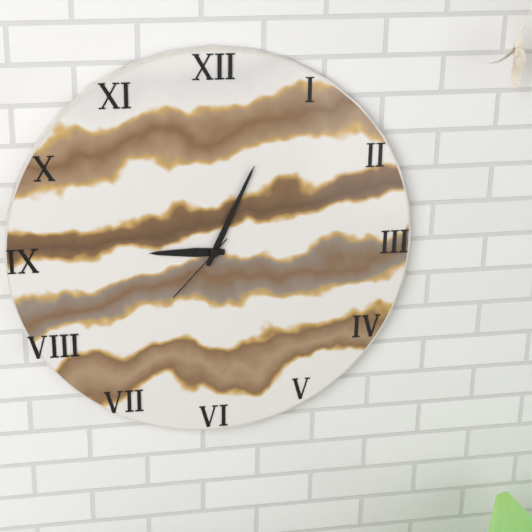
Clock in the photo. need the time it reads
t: 9:04:37
